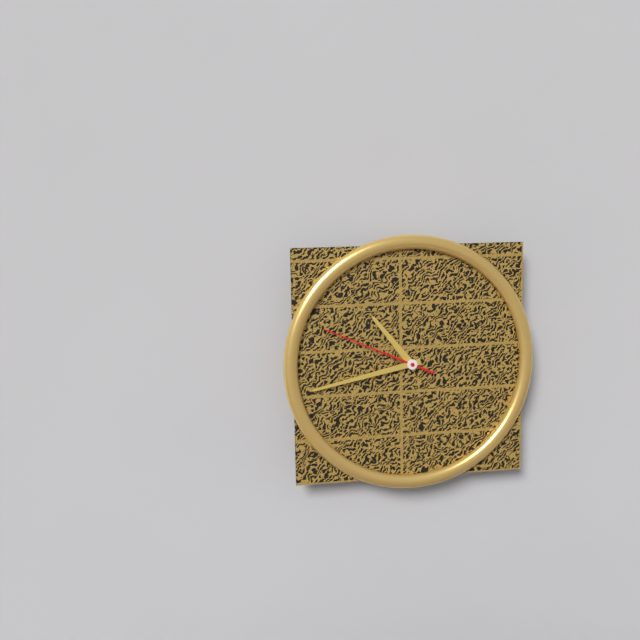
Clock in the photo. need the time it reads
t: 10:43:49
